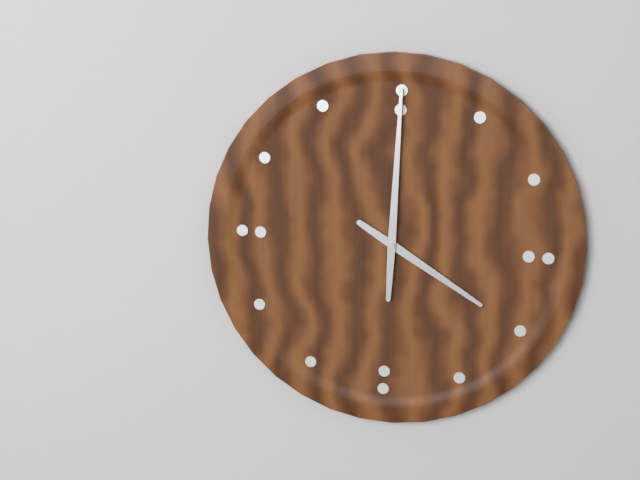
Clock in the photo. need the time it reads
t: 4:00
